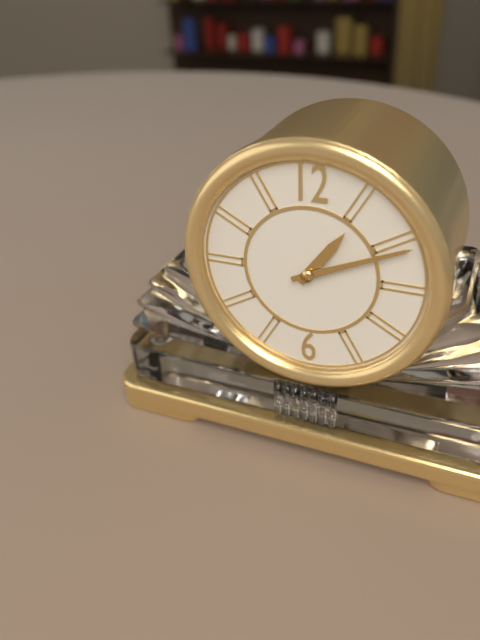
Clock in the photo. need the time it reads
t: 1:11
